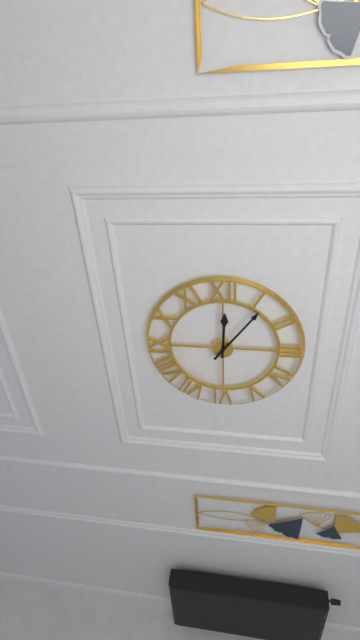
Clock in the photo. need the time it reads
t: 12:06
